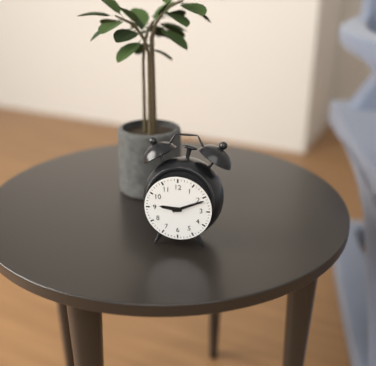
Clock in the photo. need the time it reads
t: 9:11
